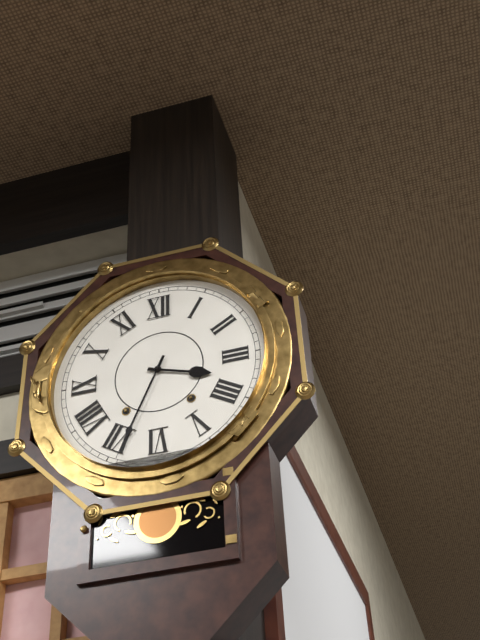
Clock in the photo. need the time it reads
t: 3:34
